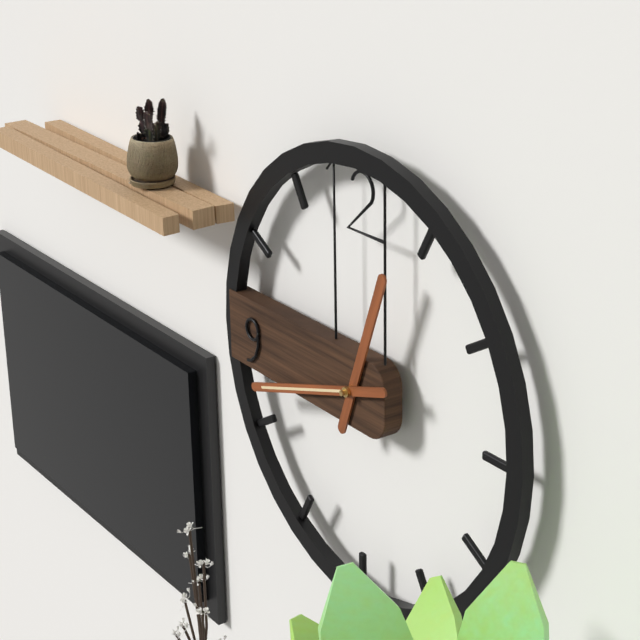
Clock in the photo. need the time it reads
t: 12:42
